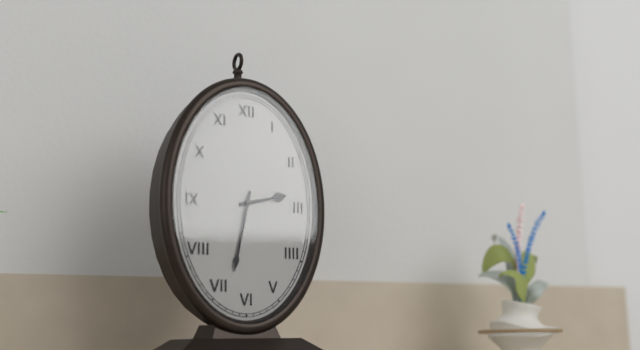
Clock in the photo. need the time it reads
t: 2:32
